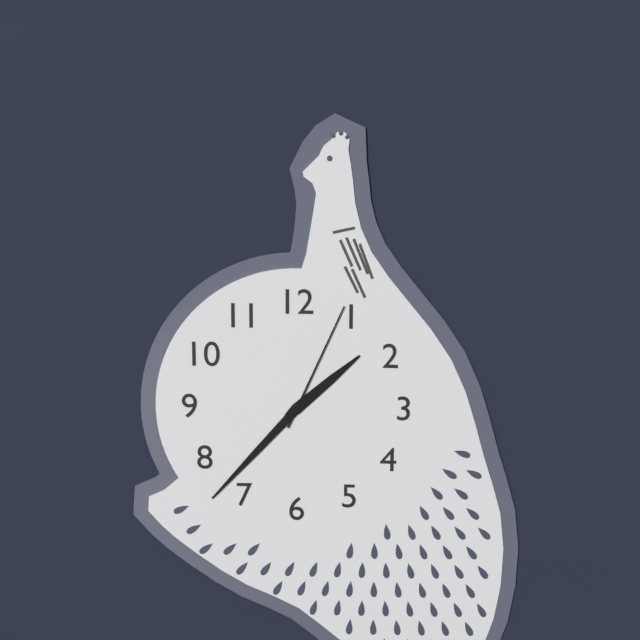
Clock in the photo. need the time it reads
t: 1:37:04
